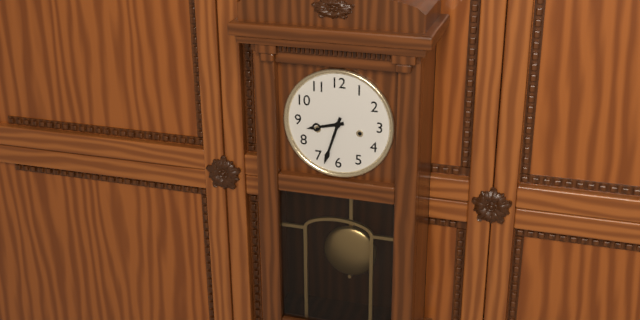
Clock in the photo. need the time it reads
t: 8:33
